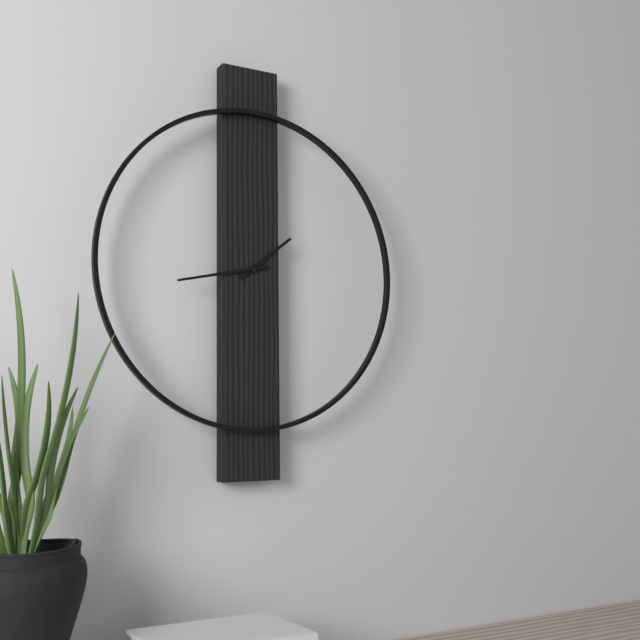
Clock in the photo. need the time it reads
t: 1:43
